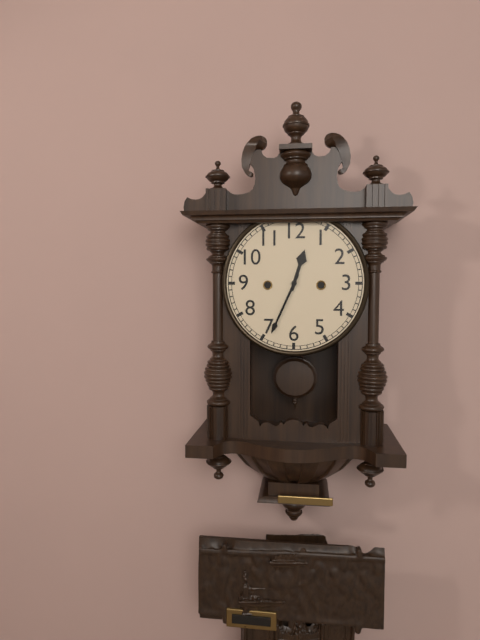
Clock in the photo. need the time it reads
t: 12:34
